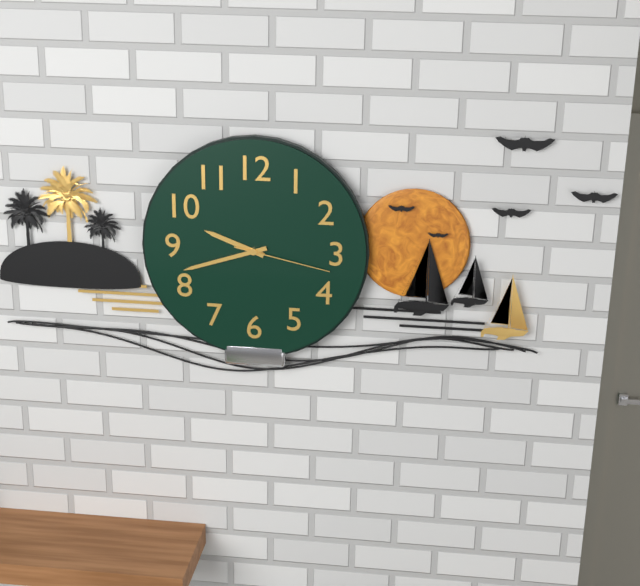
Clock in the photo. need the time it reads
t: 9:42:17
